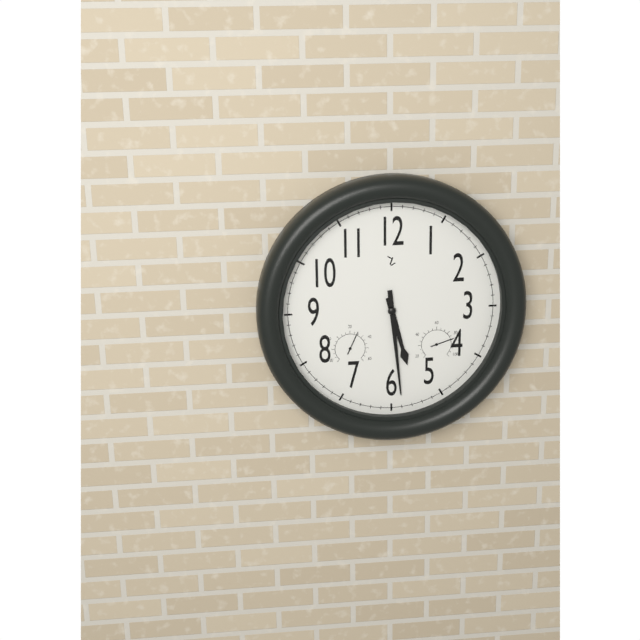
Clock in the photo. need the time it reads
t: 5:29
